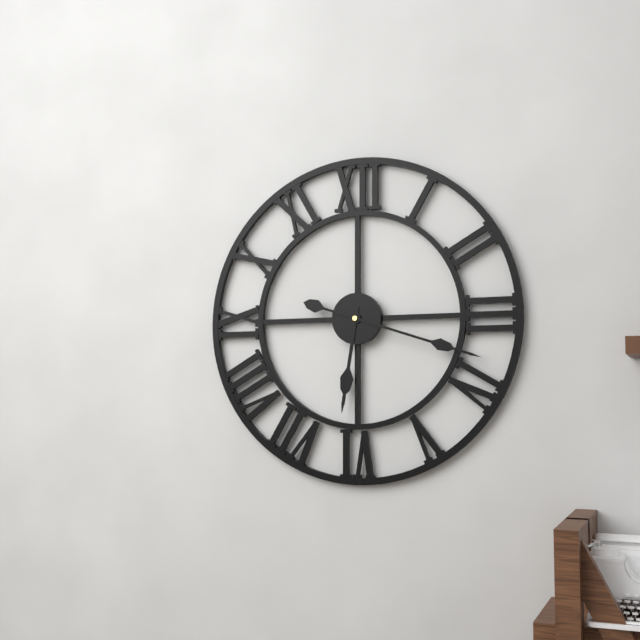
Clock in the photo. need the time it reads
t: 6:18
